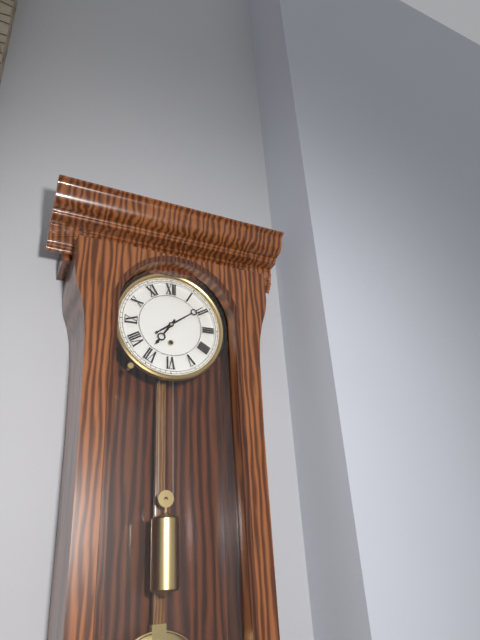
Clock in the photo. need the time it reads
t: 7:09
